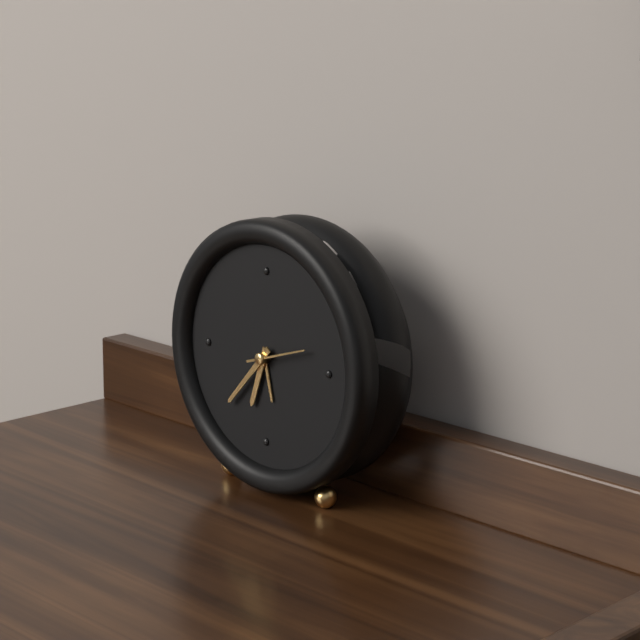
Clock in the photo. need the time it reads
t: 6:37:12
